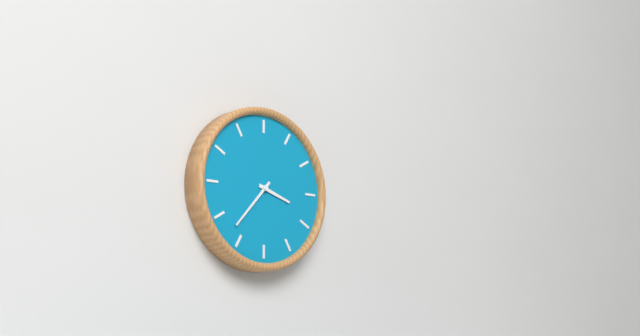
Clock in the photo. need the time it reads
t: 3:37
